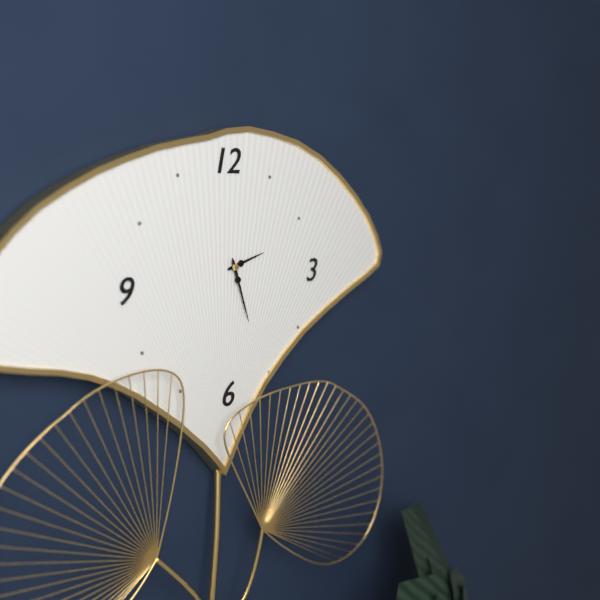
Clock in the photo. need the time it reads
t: 2:27
